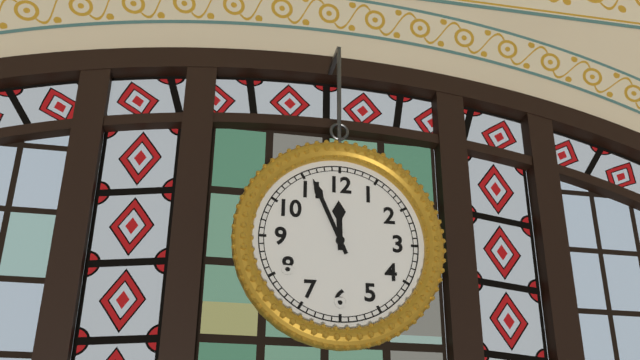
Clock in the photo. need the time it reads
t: 11:56
